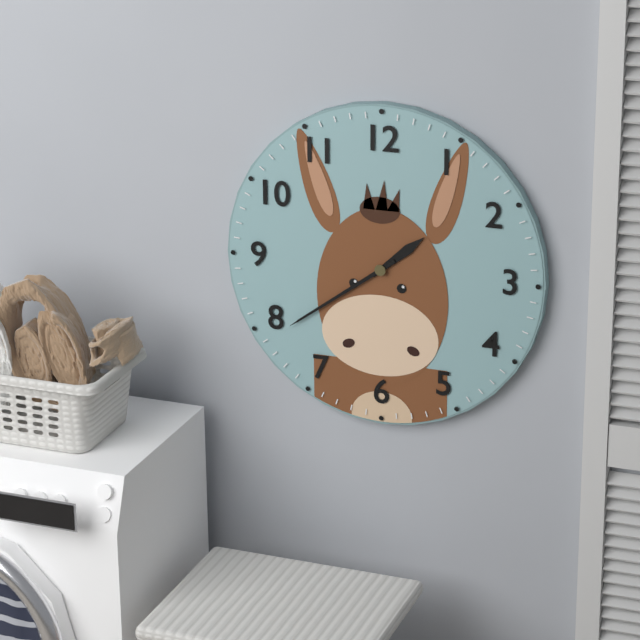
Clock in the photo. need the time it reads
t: 1:39
